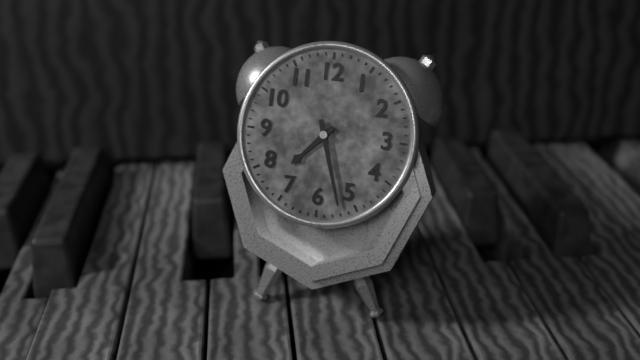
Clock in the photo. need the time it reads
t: 7:27
